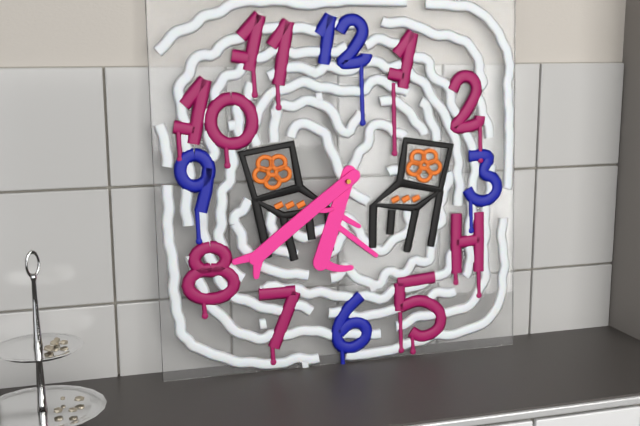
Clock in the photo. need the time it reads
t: 6:39
